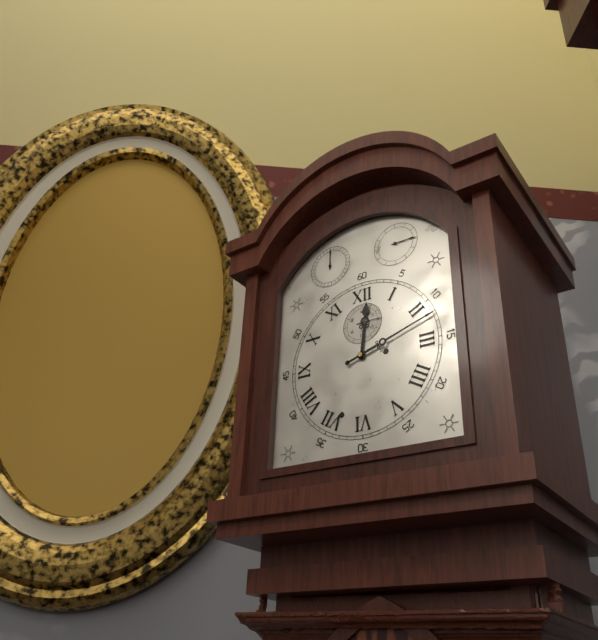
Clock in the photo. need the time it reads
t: 12:12
